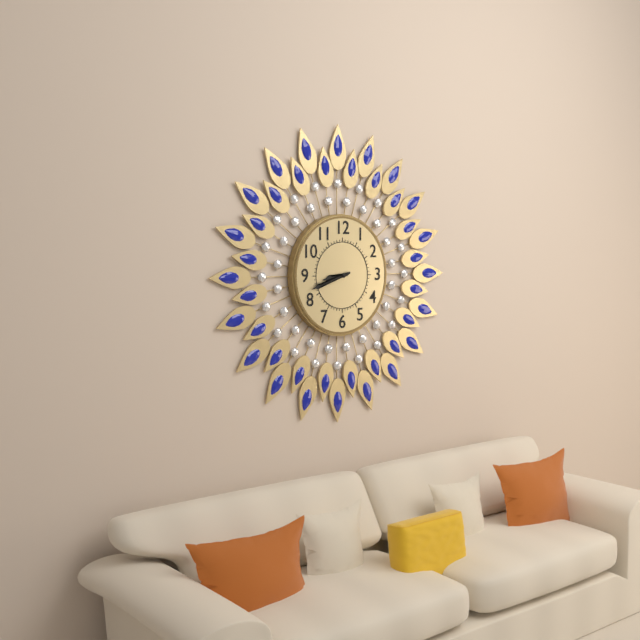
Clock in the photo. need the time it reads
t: 8:42
